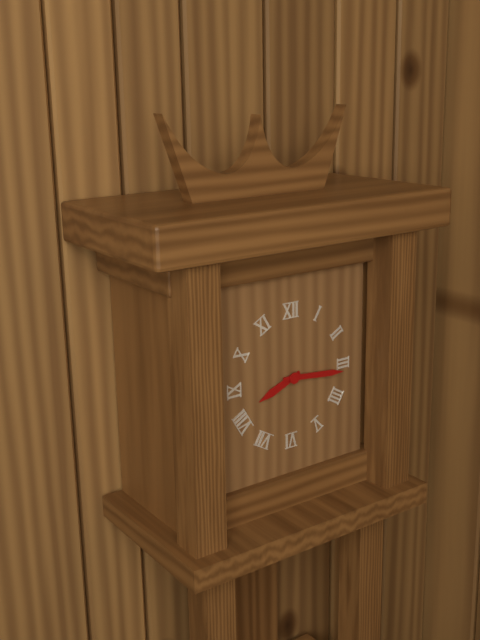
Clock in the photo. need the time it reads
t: 8:16
